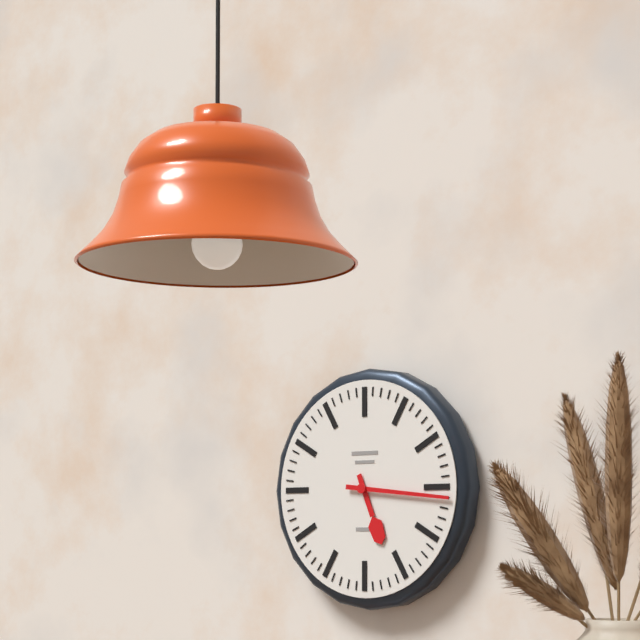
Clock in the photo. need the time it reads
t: 5:16
